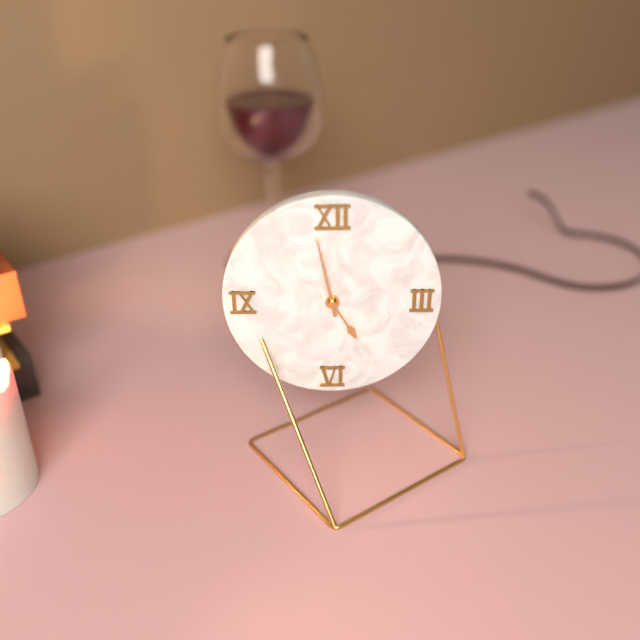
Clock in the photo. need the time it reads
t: 4:58
